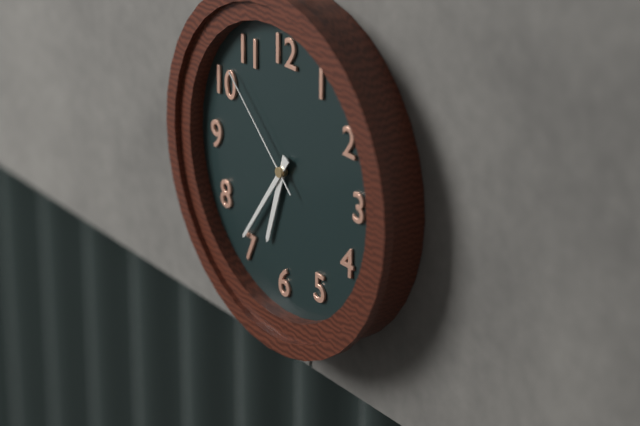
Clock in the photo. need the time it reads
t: 6:36:52
